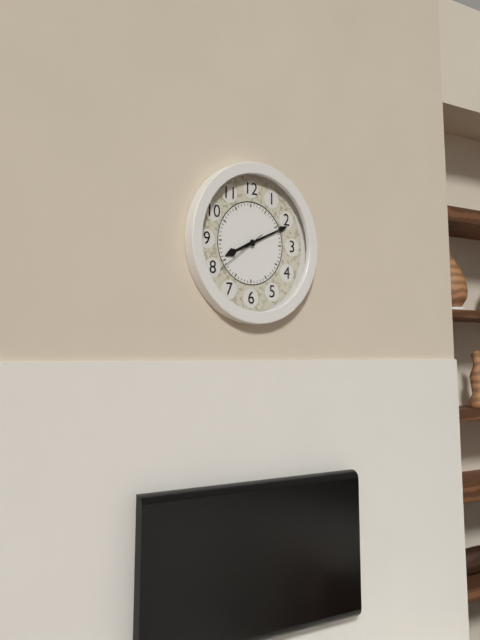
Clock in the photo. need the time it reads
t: 8:11:39
